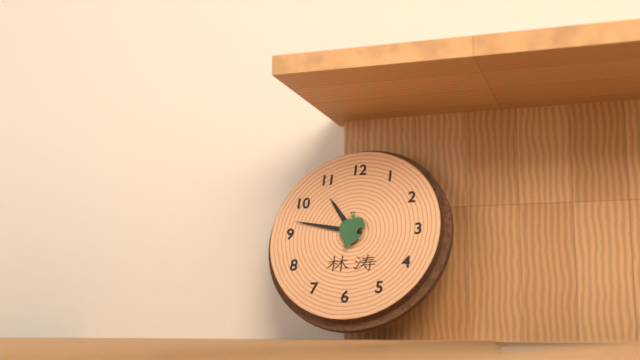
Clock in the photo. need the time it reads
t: 10:47
